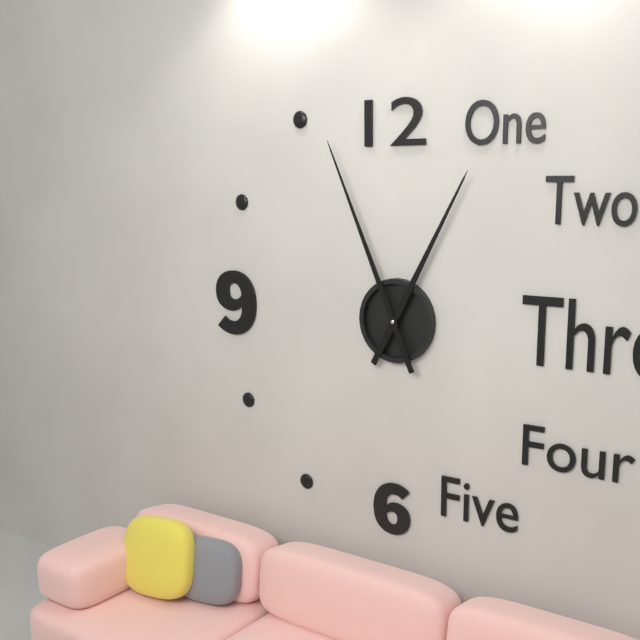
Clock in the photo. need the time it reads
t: 12:56
